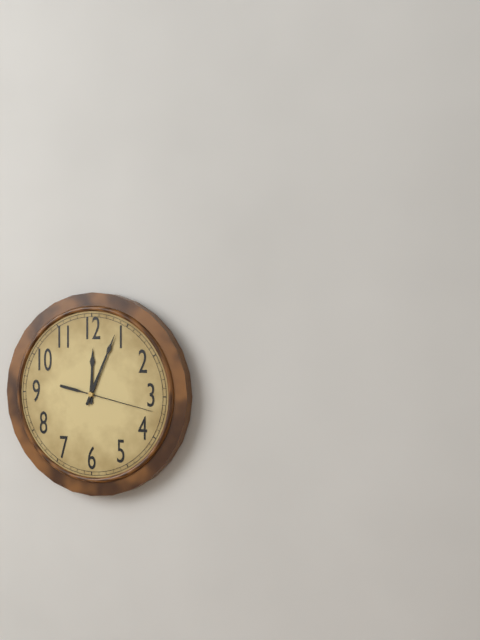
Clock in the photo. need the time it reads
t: 12:04:17
